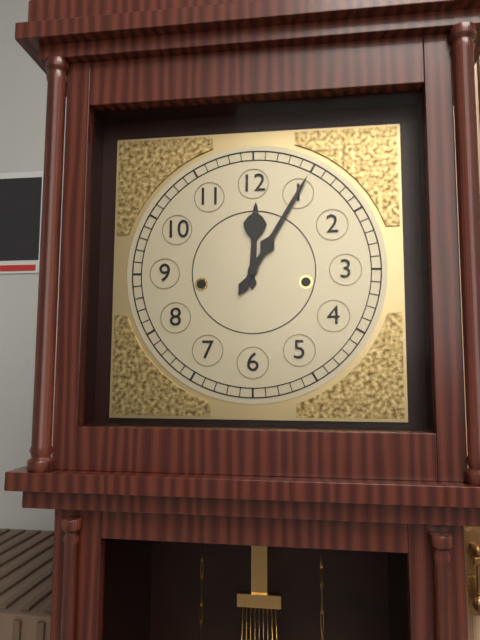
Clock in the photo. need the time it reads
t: 12:05
